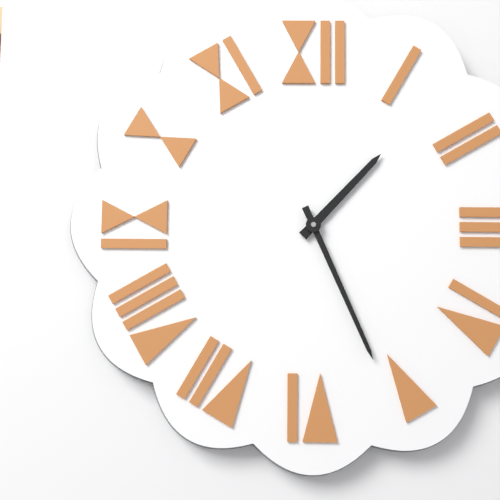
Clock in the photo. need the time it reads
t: 1:26
